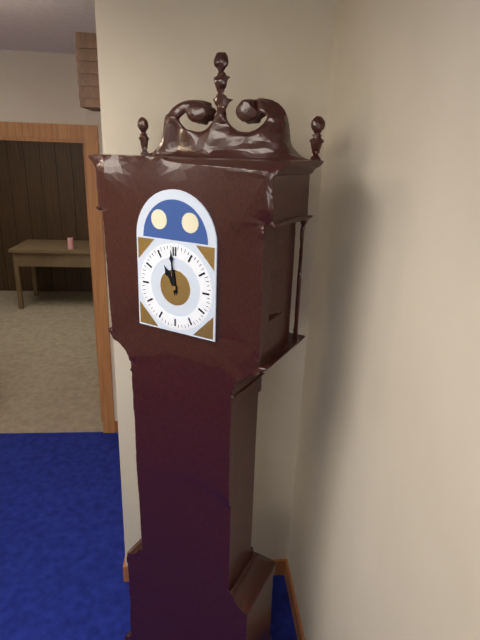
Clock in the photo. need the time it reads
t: 10:59
